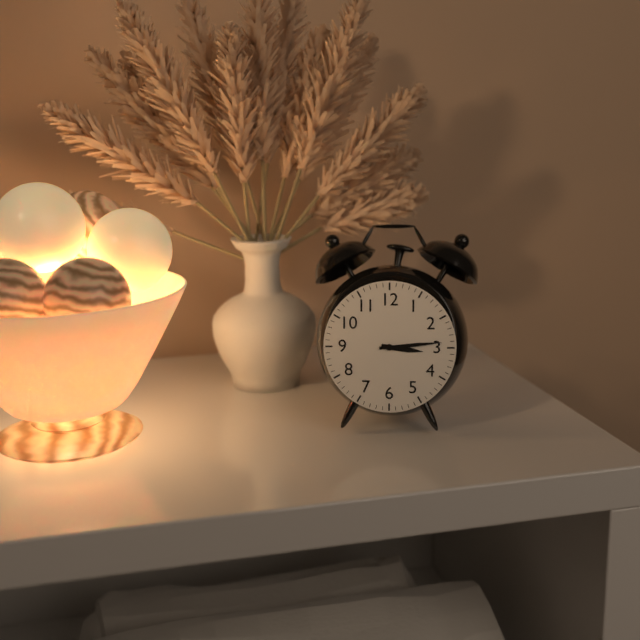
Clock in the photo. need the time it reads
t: 3:14
